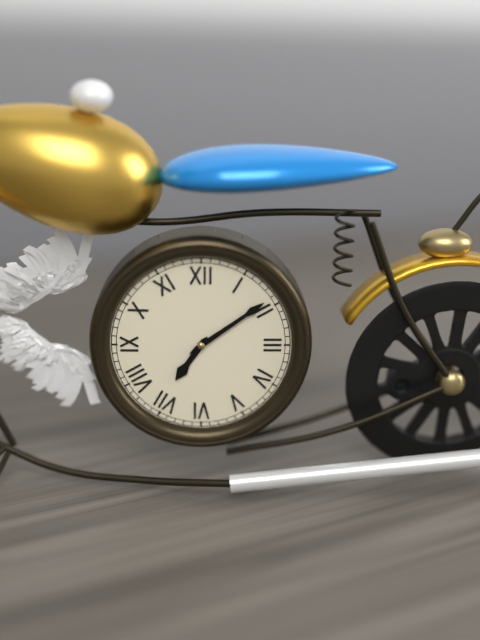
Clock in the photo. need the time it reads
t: 7:09
